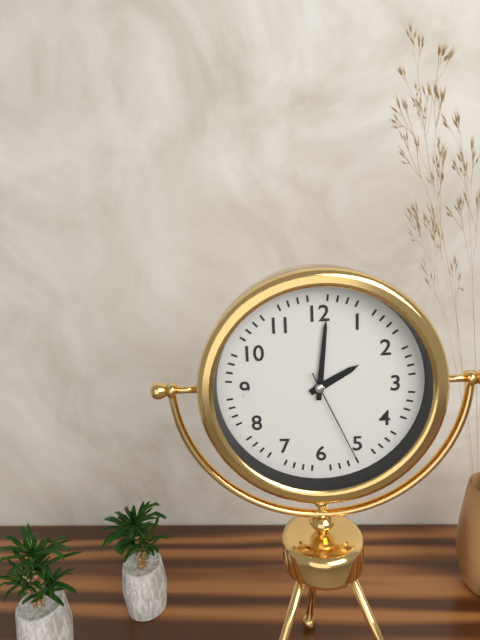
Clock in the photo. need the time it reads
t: 2:01:26
